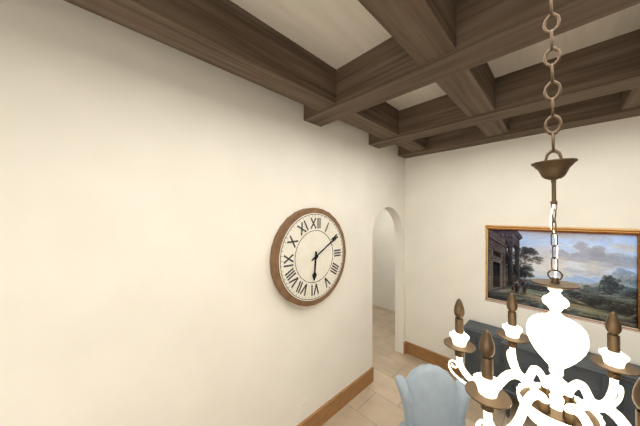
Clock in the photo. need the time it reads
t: 6:10
